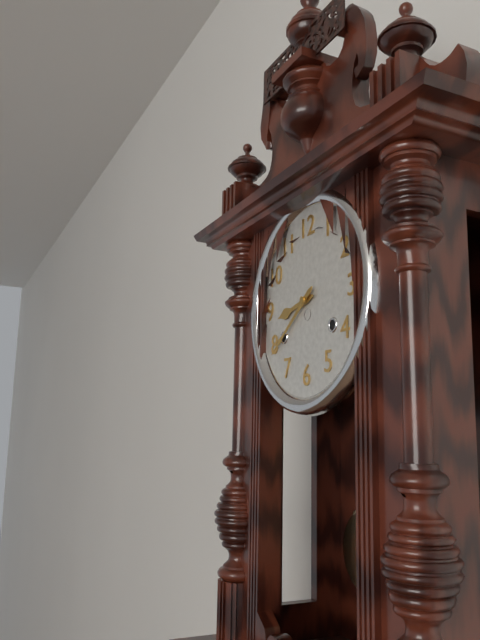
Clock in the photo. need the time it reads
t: 8:39
